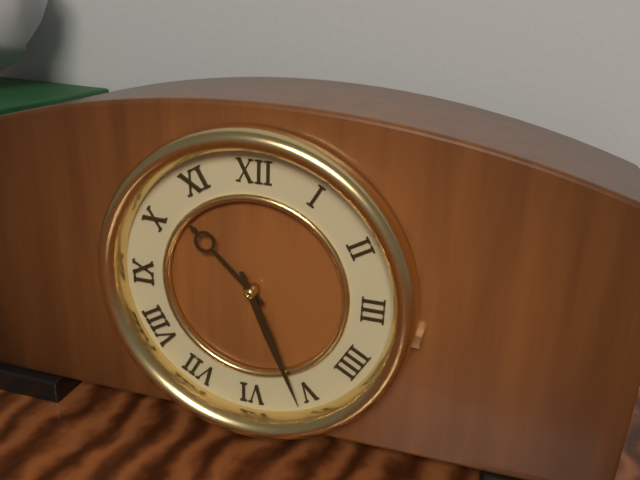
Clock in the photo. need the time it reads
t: 10:26
